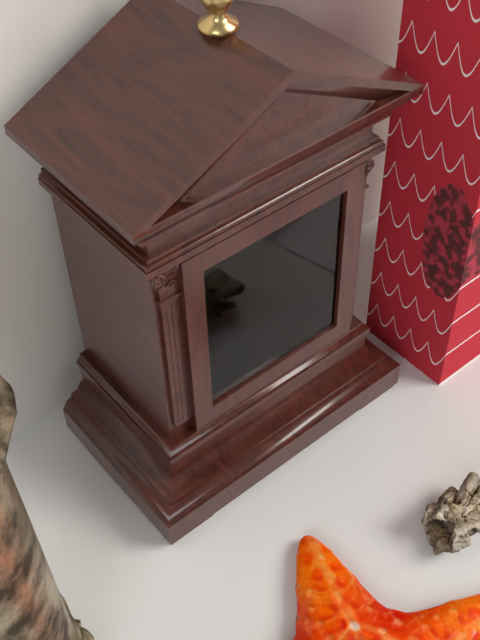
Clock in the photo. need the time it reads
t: 11:03:34
